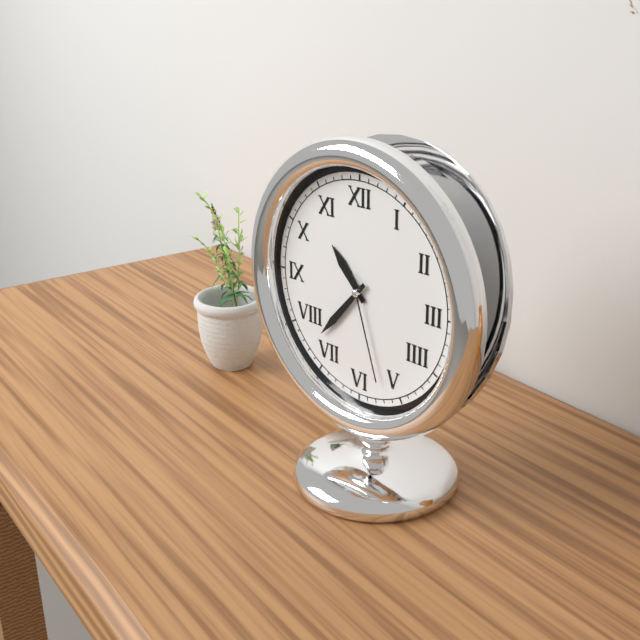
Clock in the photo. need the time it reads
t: 10:37:27
